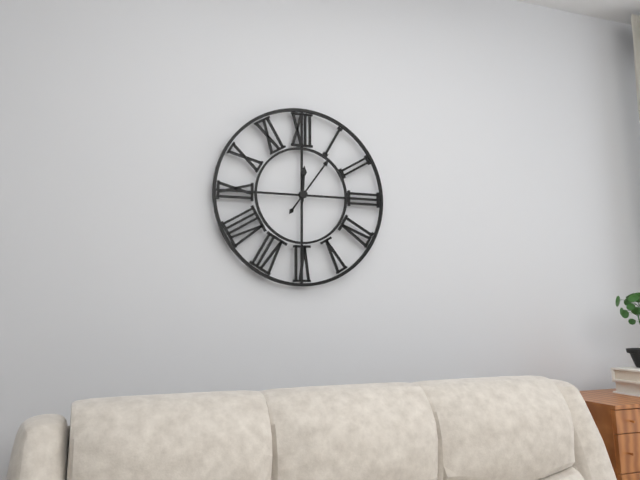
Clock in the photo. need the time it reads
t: 12:06
